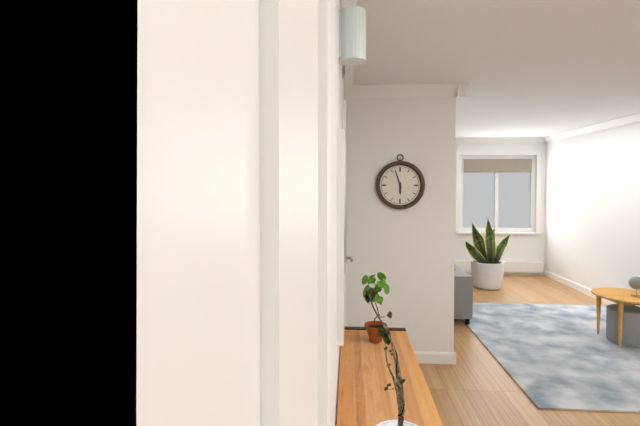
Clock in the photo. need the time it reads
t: 5:57
